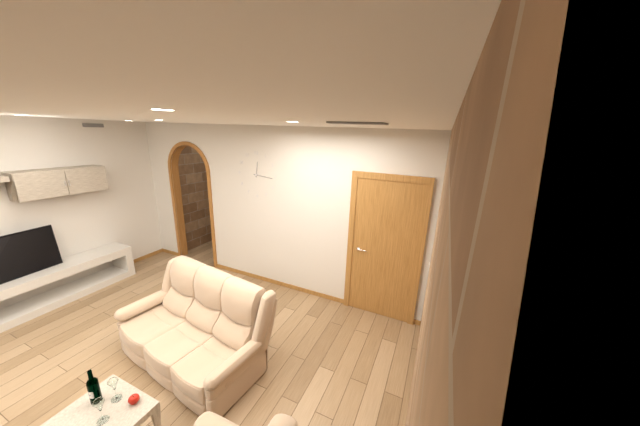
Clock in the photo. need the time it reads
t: 12:16
